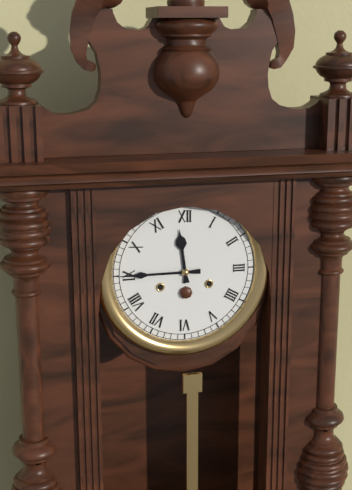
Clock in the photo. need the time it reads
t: 11:45
